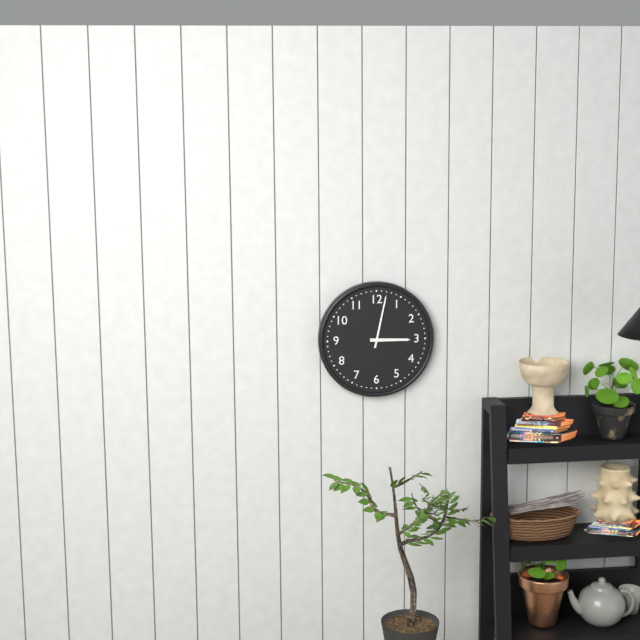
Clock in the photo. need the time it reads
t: 3:02
